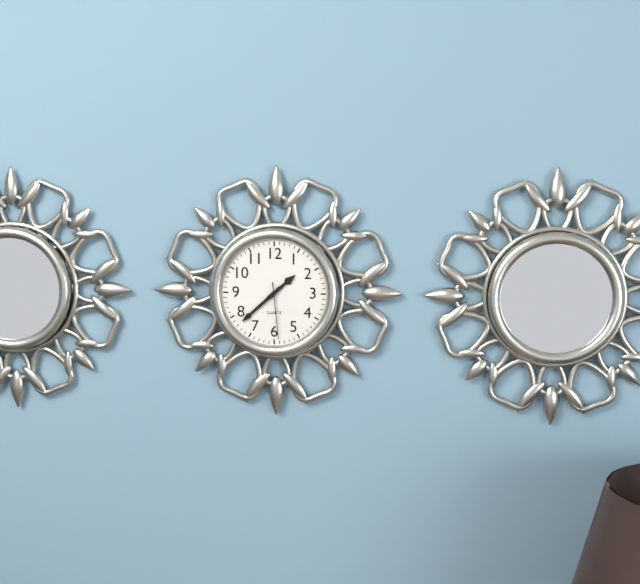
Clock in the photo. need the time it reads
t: 1:38:29
